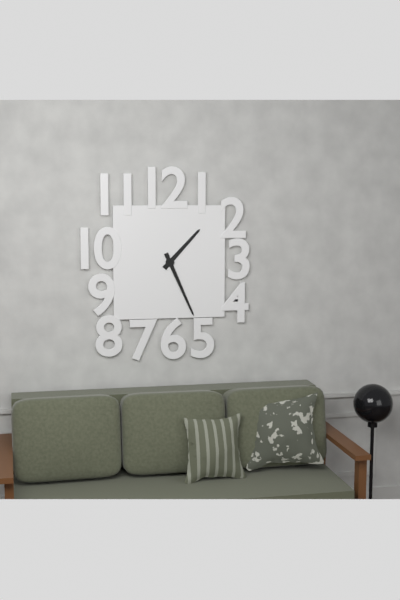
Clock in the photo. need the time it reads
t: 1:26
